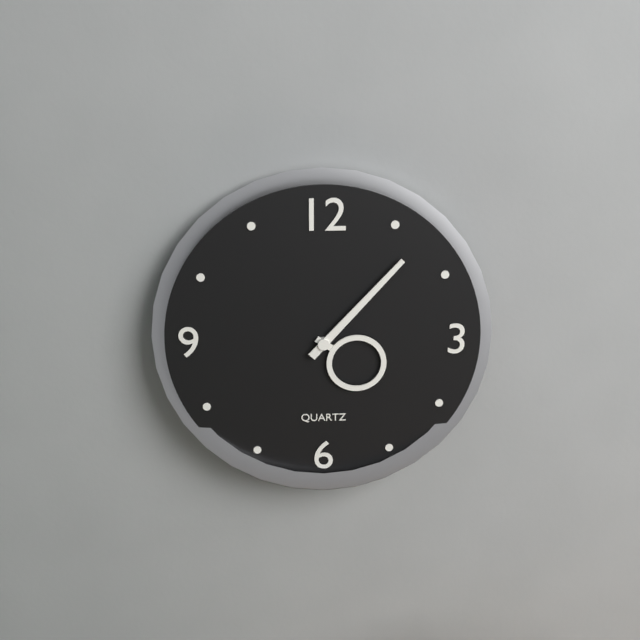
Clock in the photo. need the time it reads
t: 4:07
